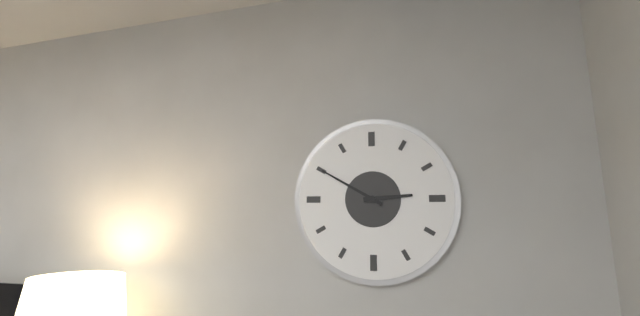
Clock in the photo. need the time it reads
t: 2:50
